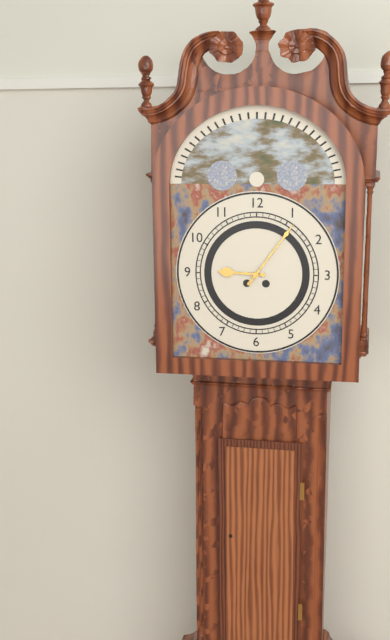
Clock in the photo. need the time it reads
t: 9:06
